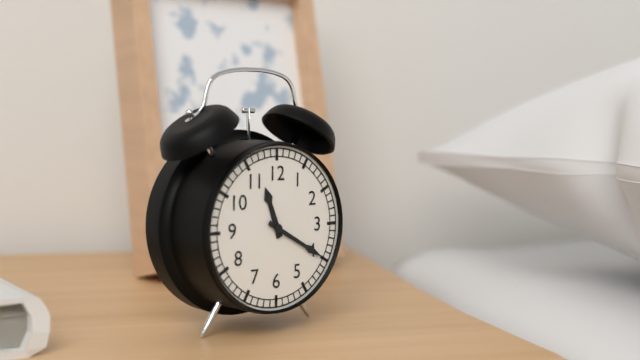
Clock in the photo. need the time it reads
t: 11:20
